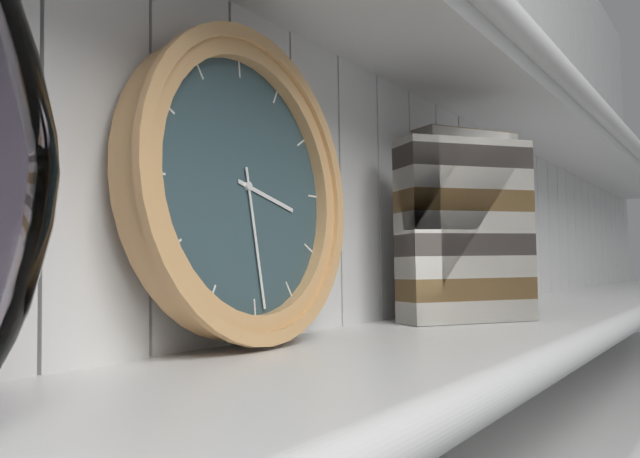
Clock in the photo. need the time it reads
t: 3:29
